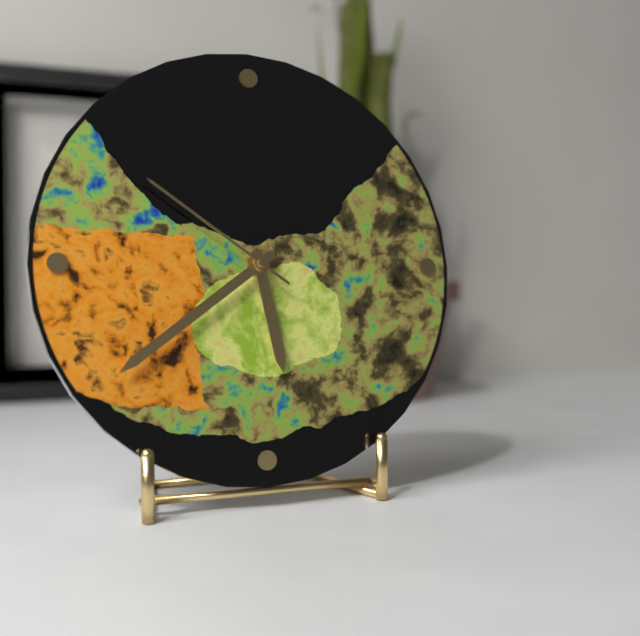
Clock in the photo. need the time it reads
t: 5:39:51
